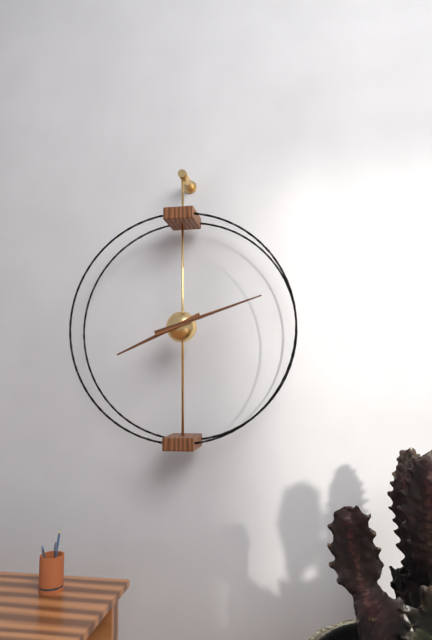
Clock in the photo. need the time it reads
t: 8:12
